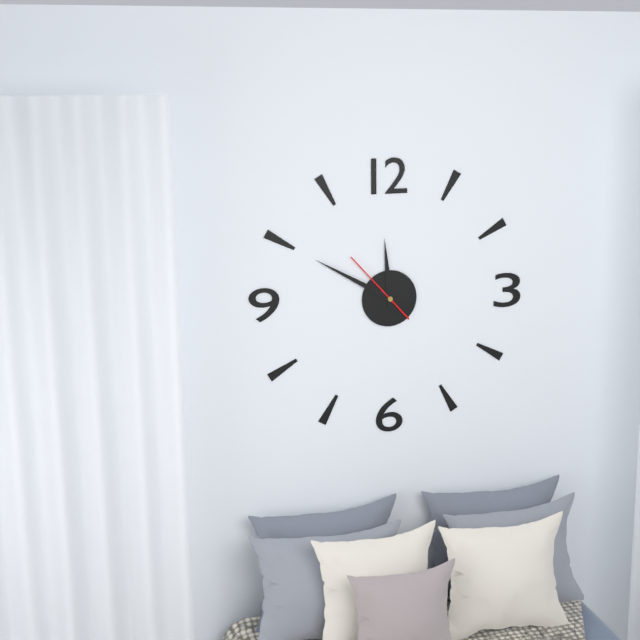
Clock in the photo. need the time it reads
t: 11:50:53
